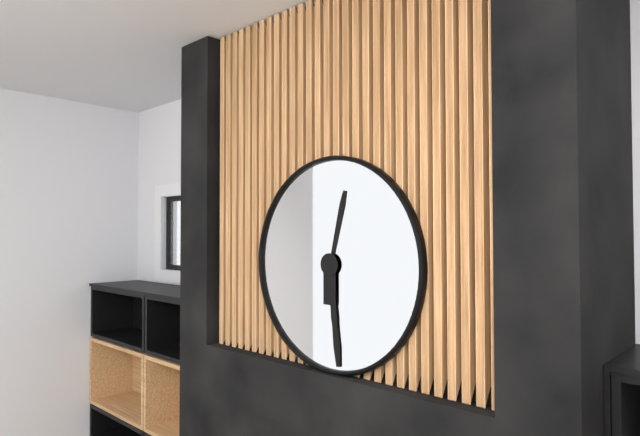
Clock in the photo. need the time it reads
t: 12:29:29
